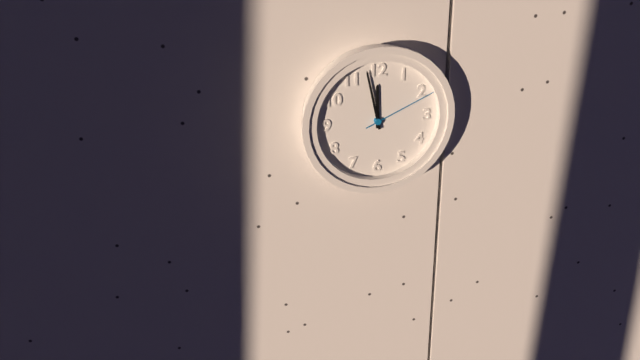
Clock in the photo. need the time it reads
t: 11:58:11
